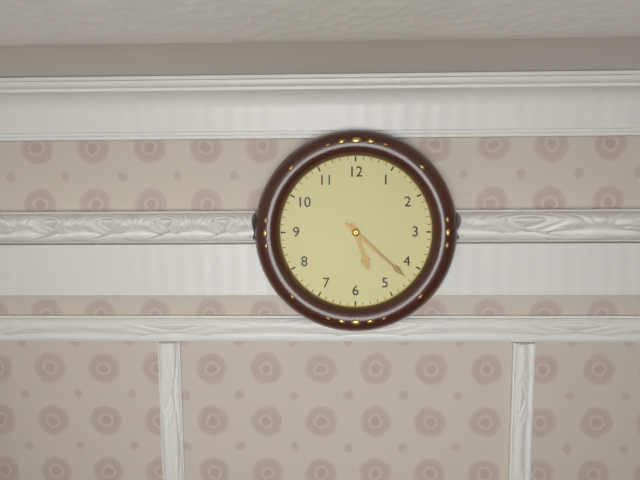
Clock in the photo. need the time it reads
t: 5:22
